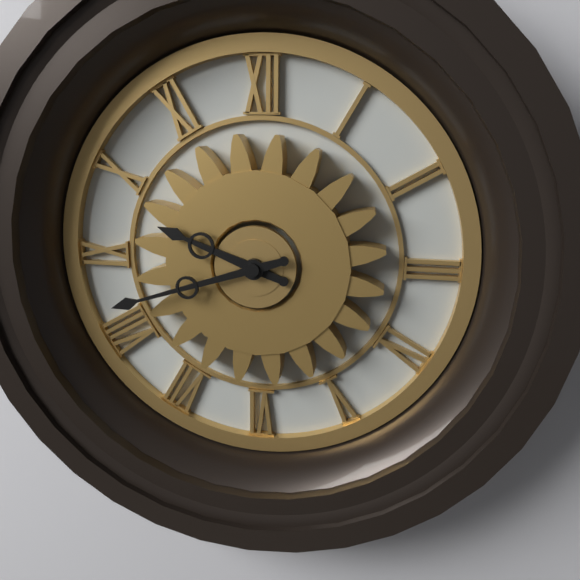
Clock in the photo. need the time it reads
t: 9:42
